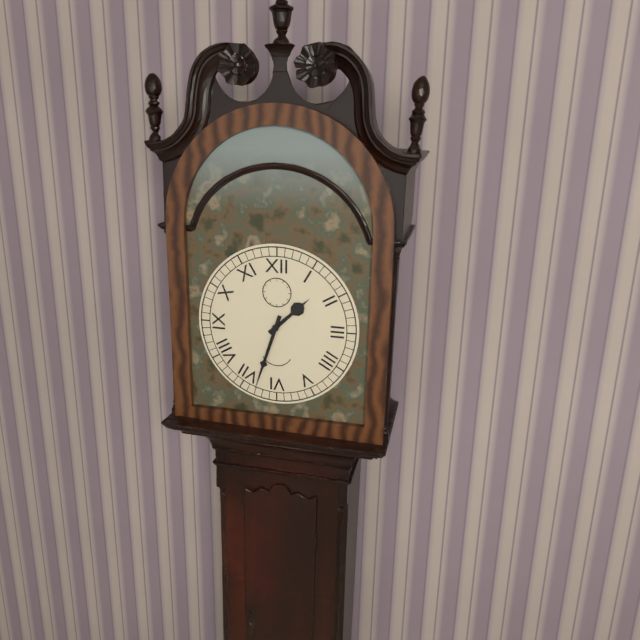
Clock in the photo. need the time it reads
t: 1:33
